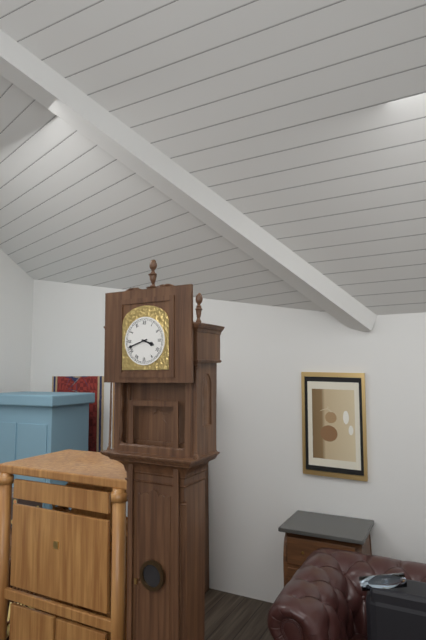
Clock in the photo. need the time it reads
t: 3:42
